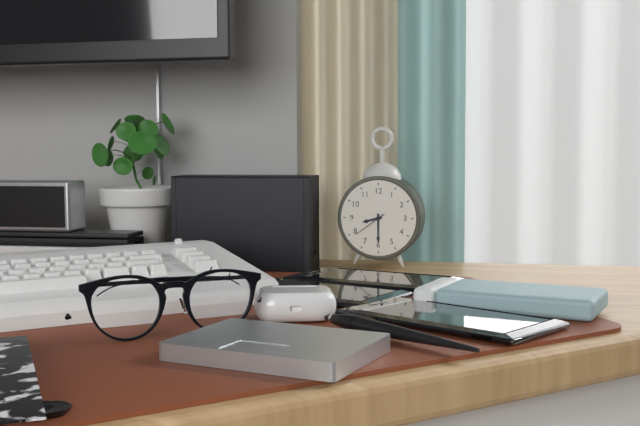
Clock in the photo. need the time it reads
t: 8:30
